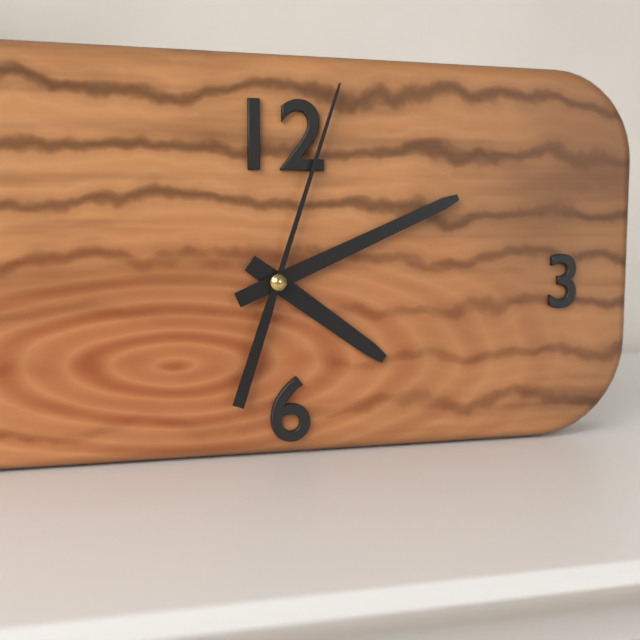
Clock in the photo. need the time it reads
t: 4:11:03
